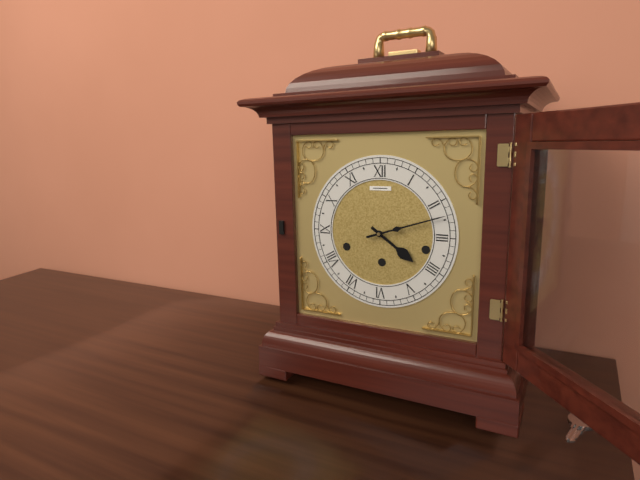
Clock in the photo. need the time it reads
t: 4:12
